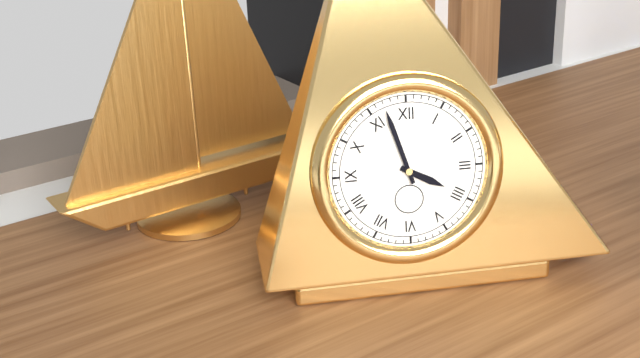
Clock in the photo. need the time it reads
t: 3:57
